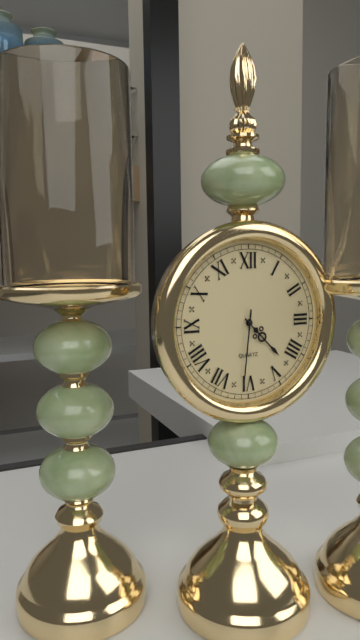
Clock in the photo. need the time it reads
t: 4:31
